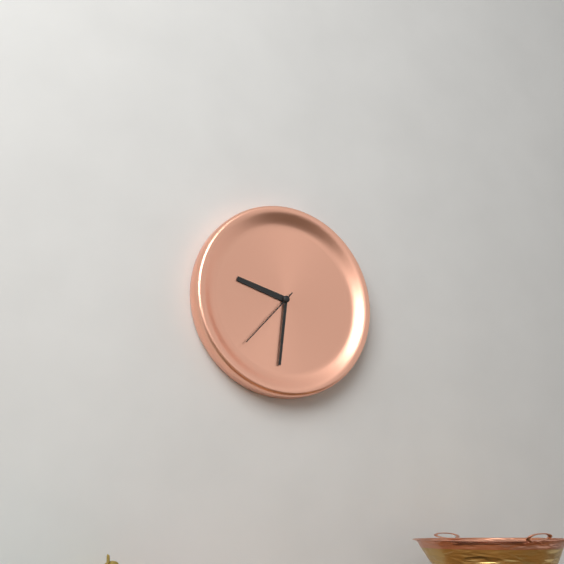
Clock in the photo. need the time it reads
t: 9:31:37
